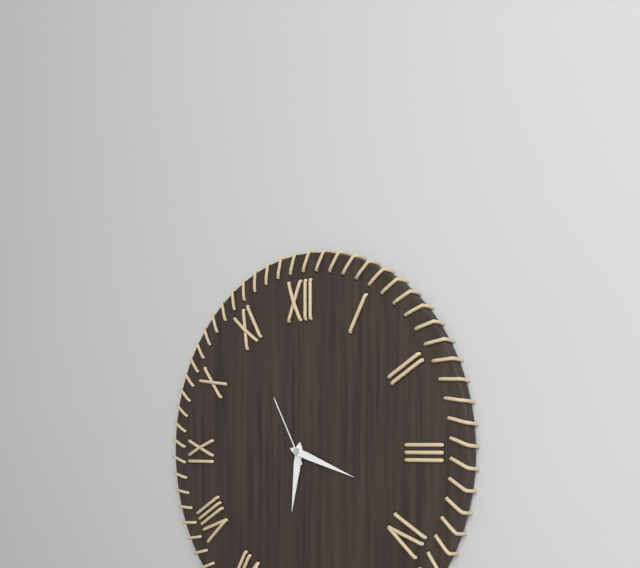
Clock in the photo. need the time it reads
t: 6:18:55
